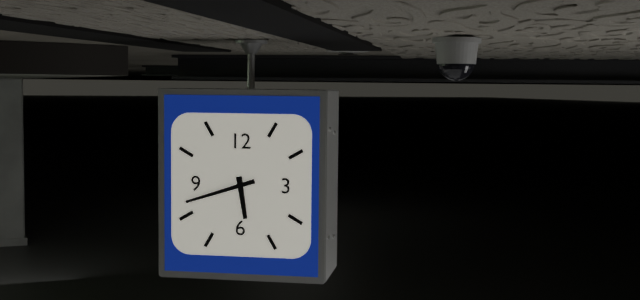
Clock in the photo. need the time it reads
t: 5:42
